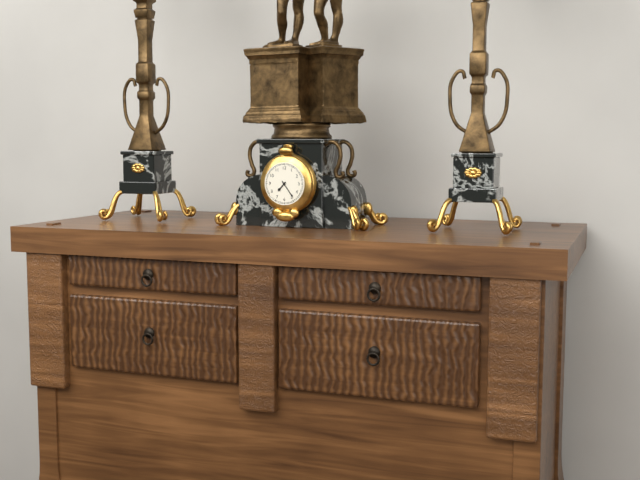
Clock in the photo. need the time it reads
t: 7:24
